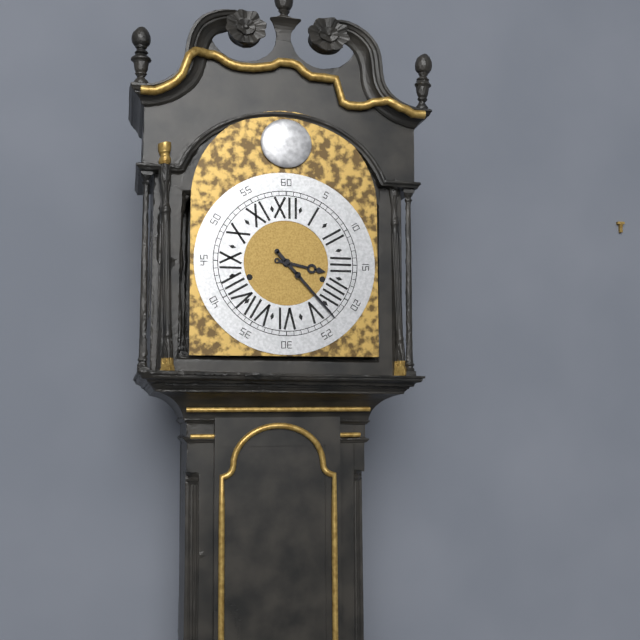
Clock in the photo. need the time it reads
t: 3:23
